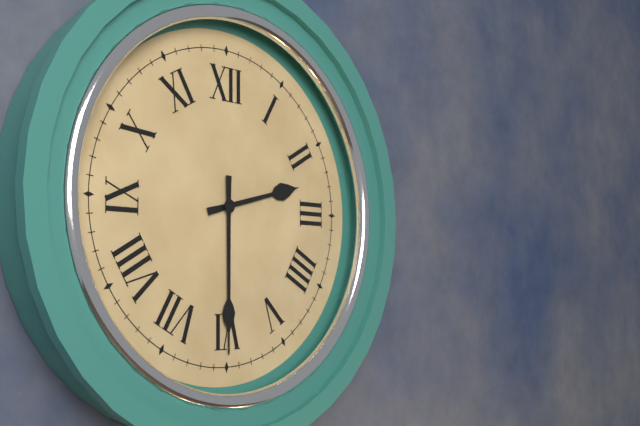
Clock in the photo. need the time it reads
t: 2:30
